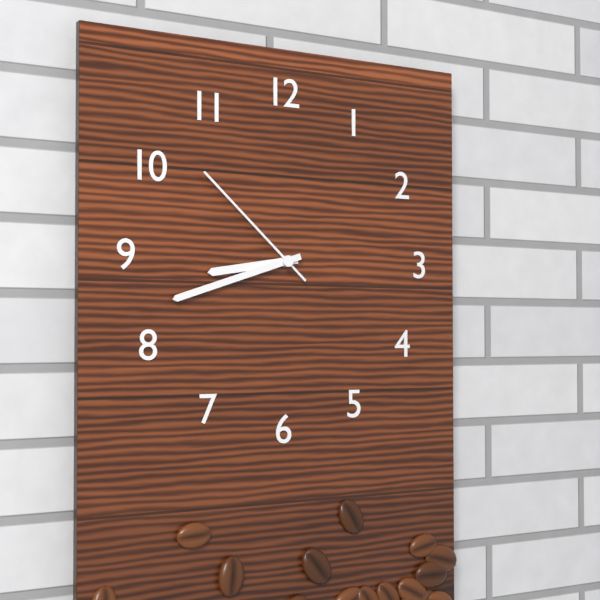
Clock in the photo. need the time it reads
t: 8:42:52
